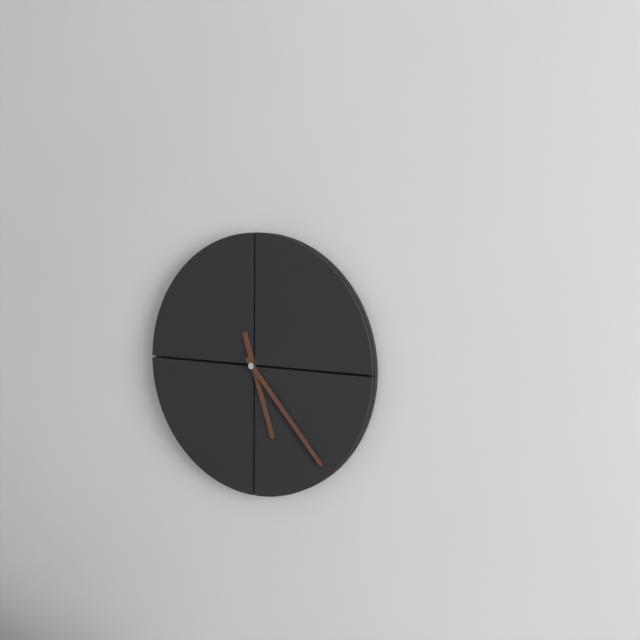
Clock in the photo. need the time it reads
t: 5:23
